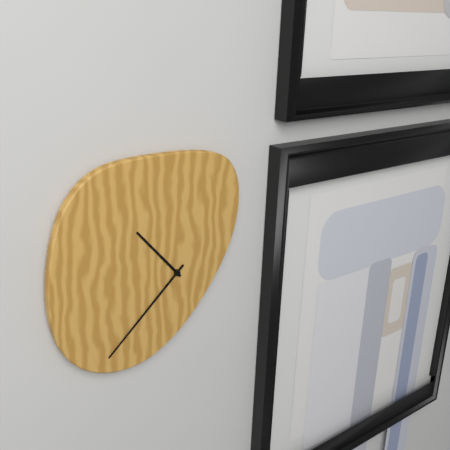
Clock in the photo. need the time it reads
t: 10:38
